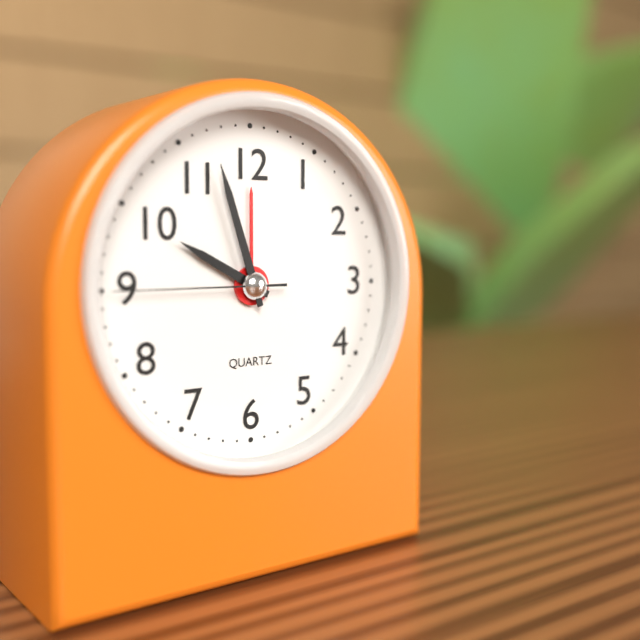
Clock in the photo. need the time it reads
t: 9:57:45
